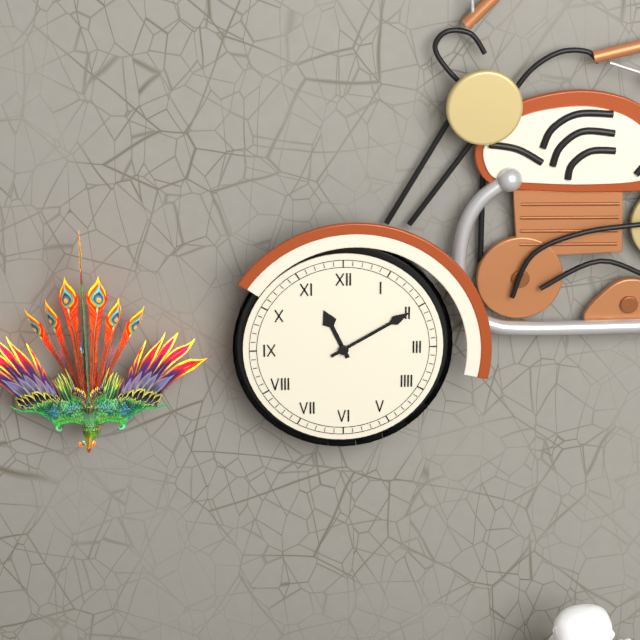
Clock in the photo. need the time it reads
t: 11:10
